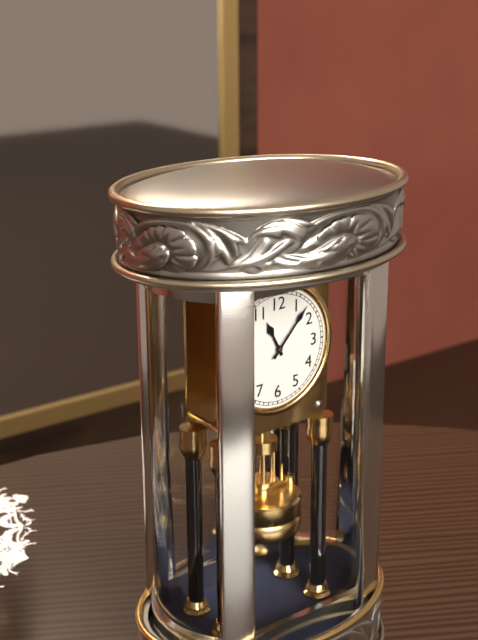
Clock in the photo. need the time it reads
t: 11:07
